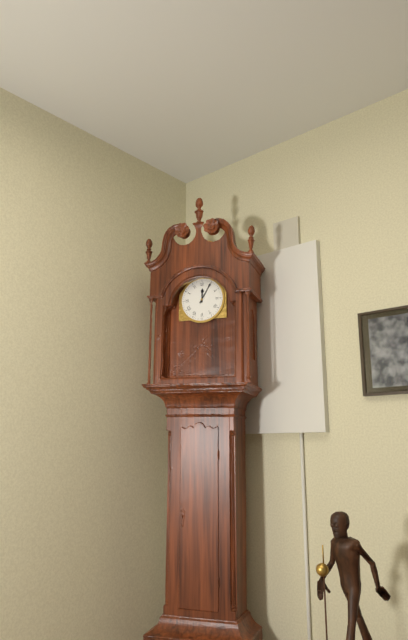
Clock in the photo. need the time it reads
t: 12:05
